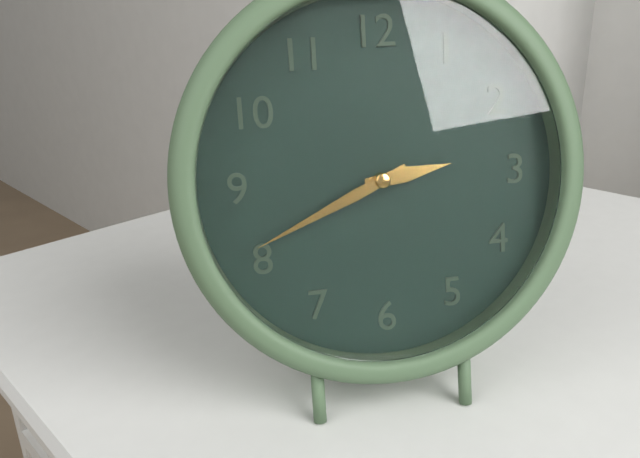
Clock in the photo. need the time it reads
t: 2:41
